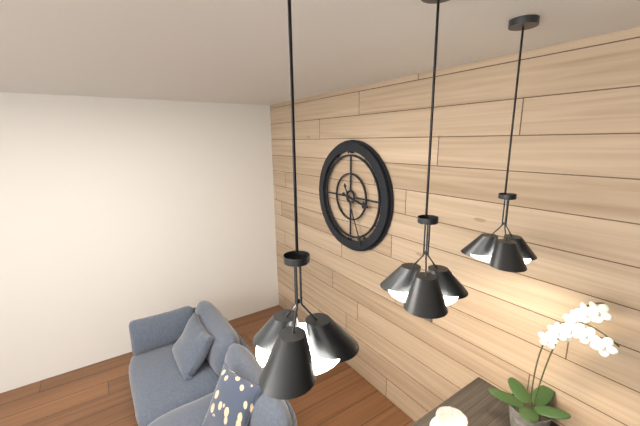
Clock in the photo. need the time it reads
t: 3:26
